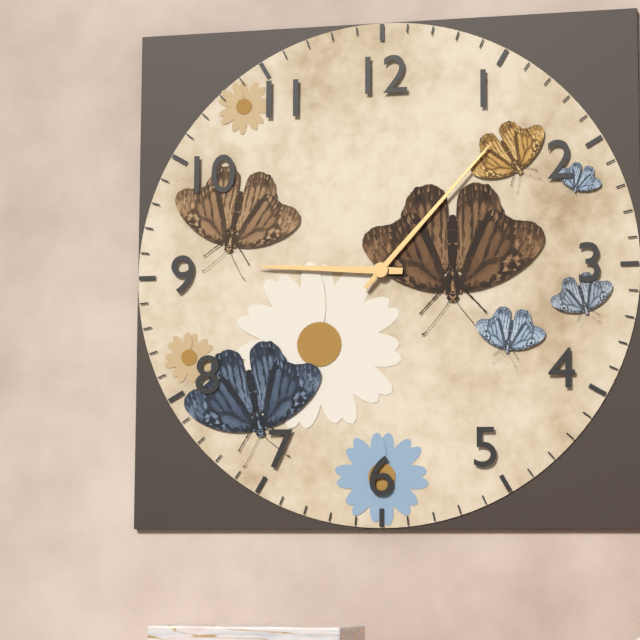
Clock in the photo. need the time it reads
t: 9:07
